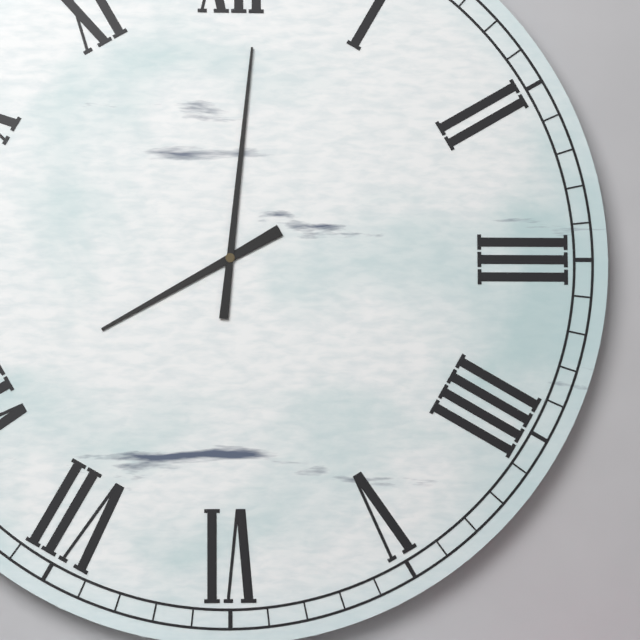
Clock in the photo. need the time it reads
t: 8:01
